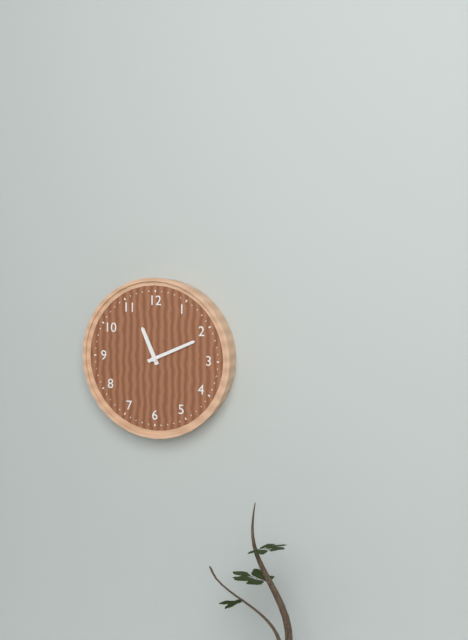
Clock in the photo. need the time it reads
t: 11:11
